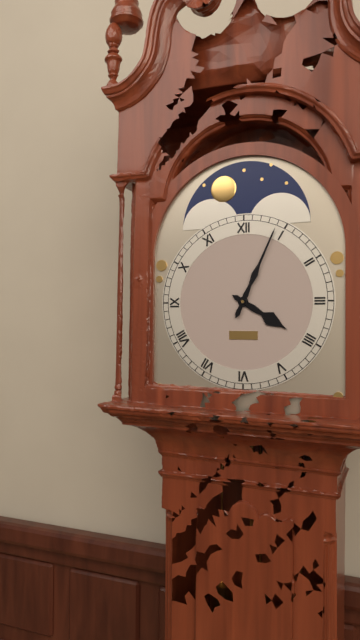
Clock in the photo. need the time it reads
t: 4:04
